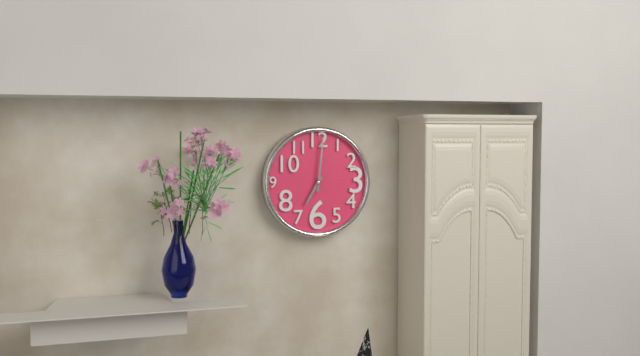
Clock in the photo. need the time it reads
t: 7:01
